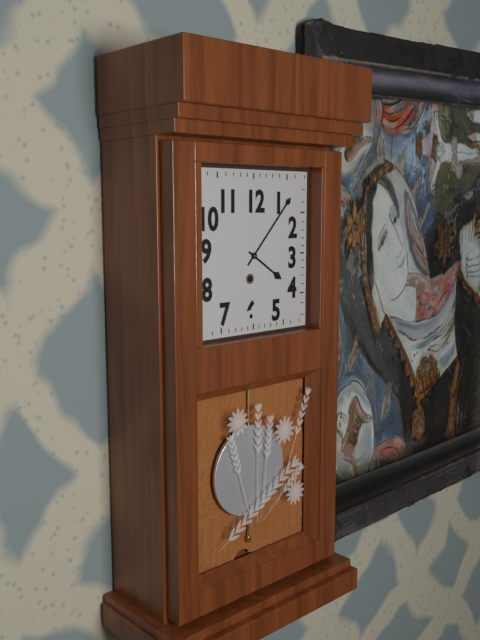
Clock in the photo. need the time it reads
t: 4:07
